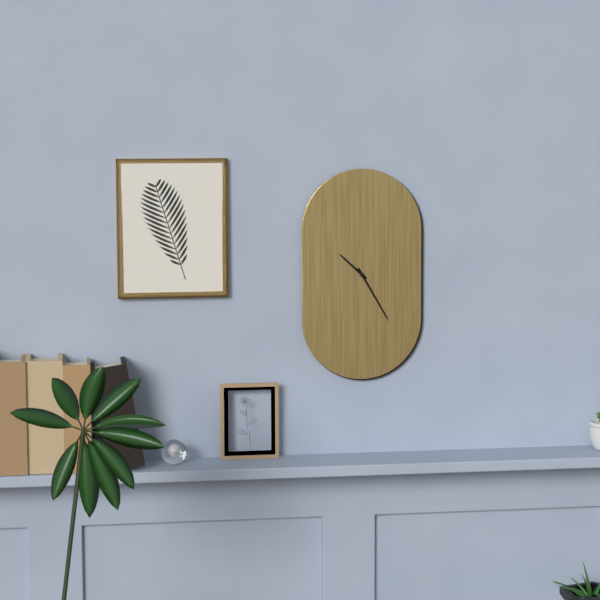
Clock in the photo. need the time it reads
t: 10:25
